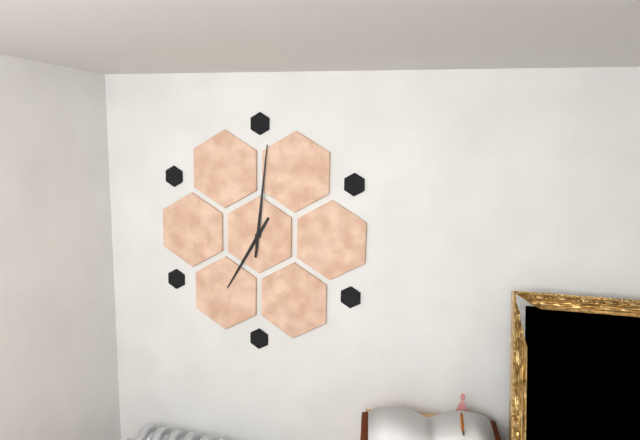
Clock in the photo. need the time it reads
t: 7:01
